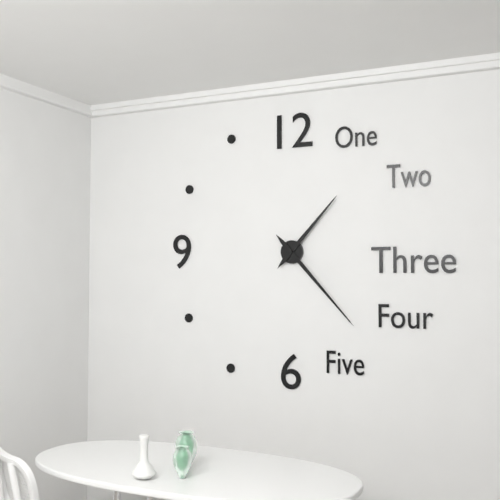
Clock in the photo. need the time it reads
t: 1:23
